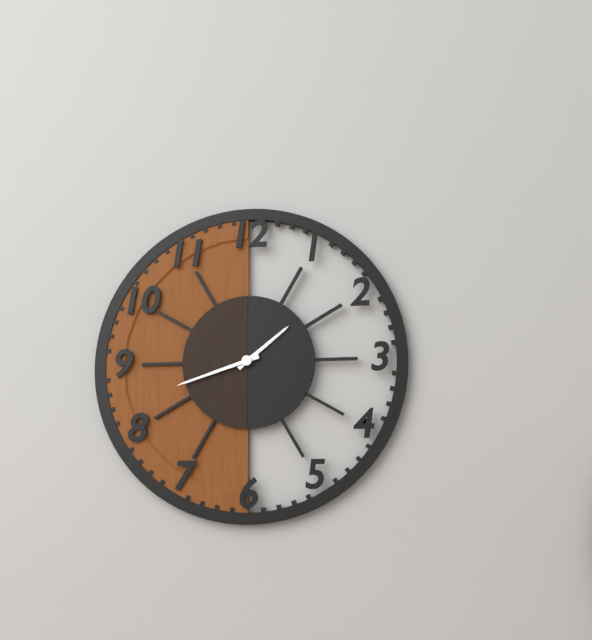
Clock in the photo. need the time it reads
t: 1:42
